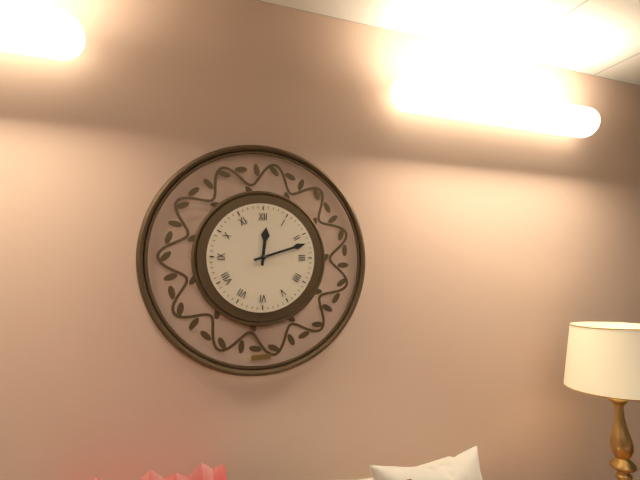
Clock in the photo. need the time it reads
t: 12:12
